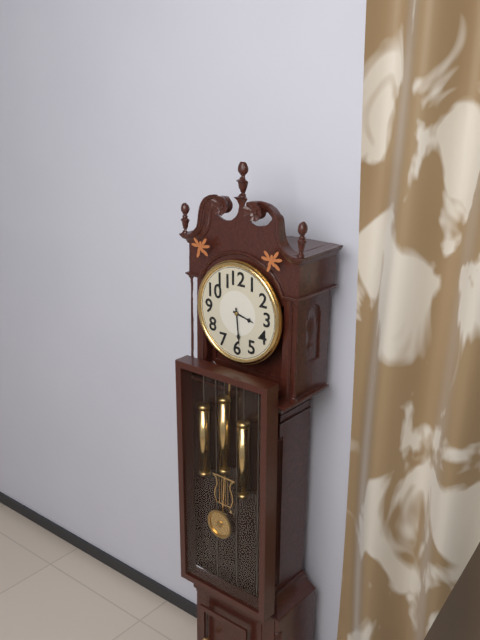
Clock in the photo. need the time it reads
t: 3:29
